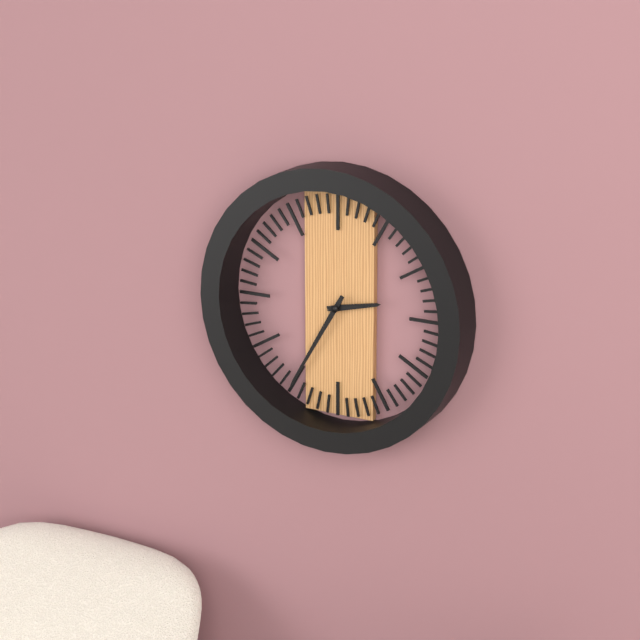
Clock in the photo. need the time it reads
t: 2:35
